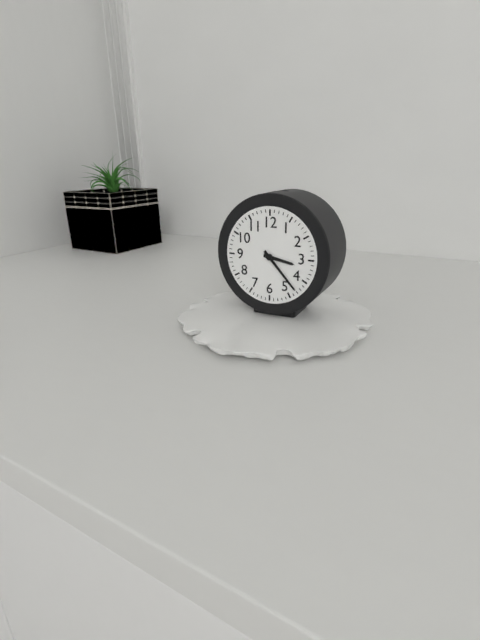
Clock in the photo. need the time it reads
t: 3:23
